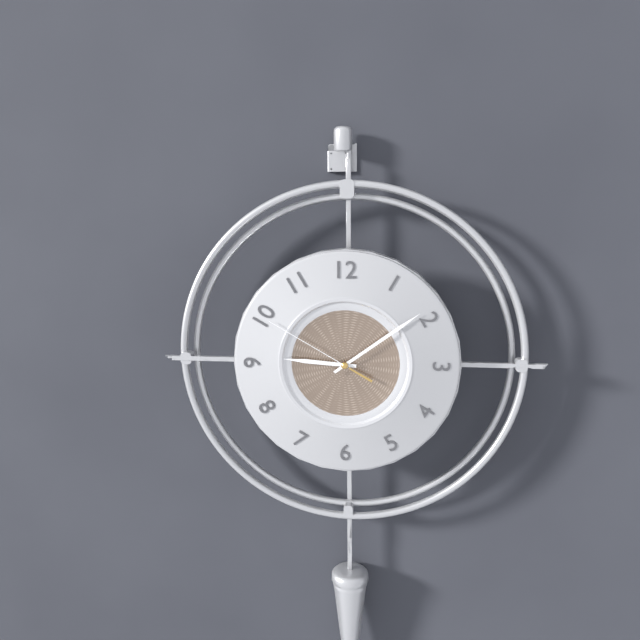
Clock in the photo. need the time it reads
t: 9:09:50
